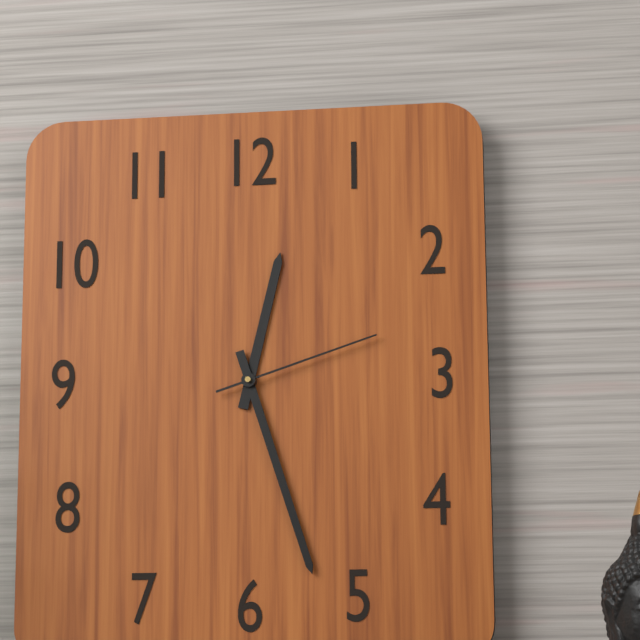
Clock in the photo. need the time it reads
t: 12:27:12
